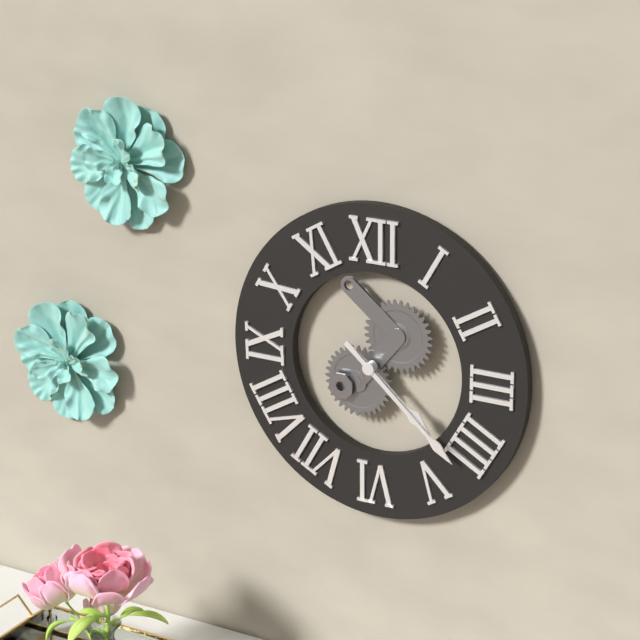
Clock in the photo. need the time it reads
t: 4:22
